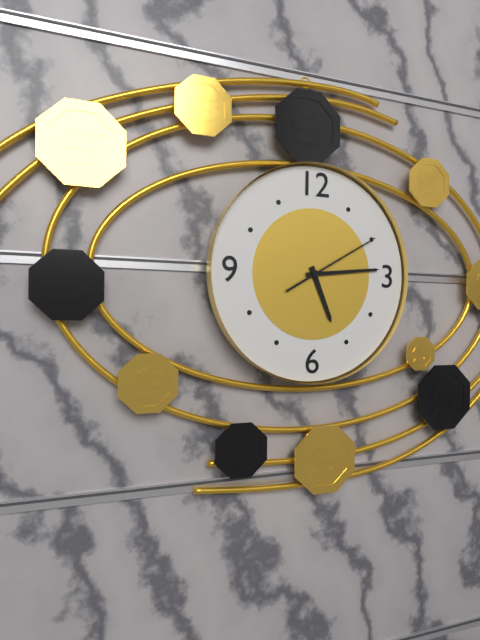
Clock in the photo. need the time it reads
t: 5:14:10
